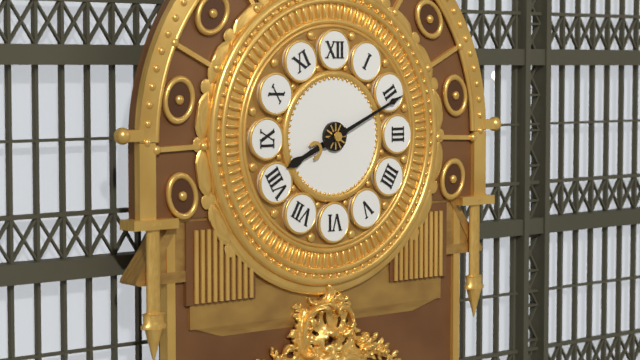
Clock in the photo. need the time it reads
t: 8:11
